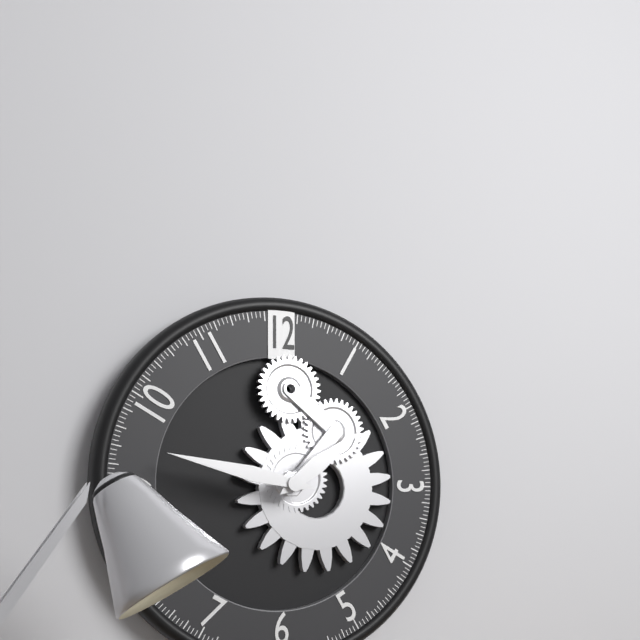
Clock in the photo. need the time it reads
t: 1:47
